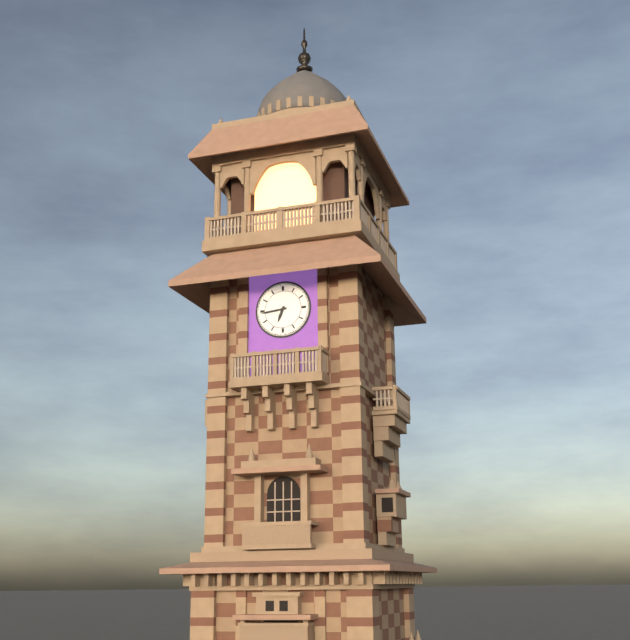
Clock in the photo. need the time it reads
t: 6:44
